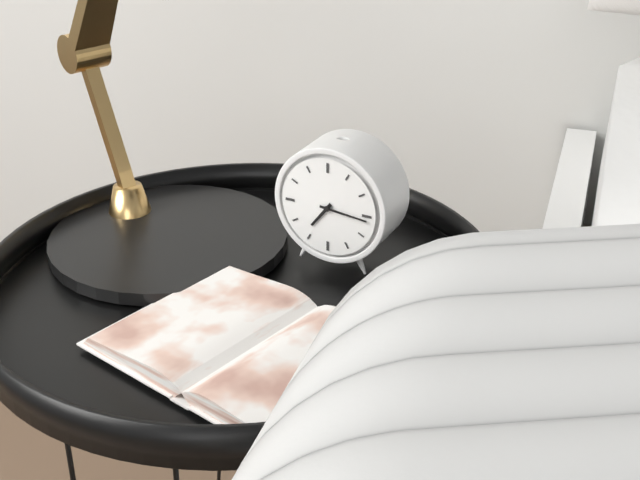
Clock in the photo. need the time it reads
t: 7:16
